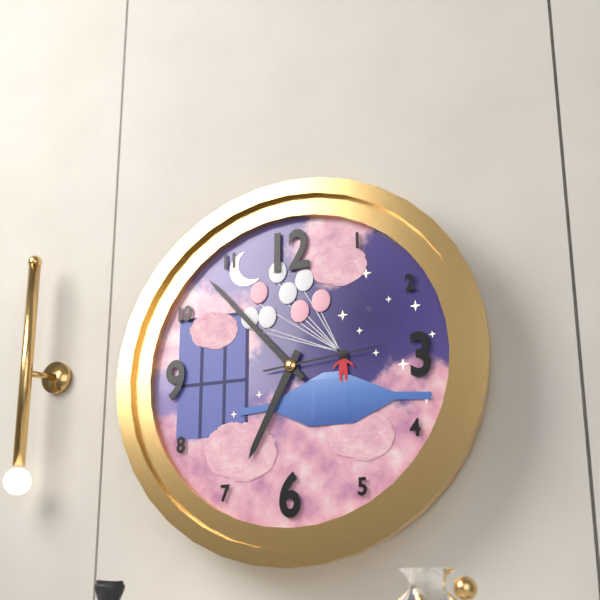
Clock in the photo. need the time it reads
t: 6:53:14
